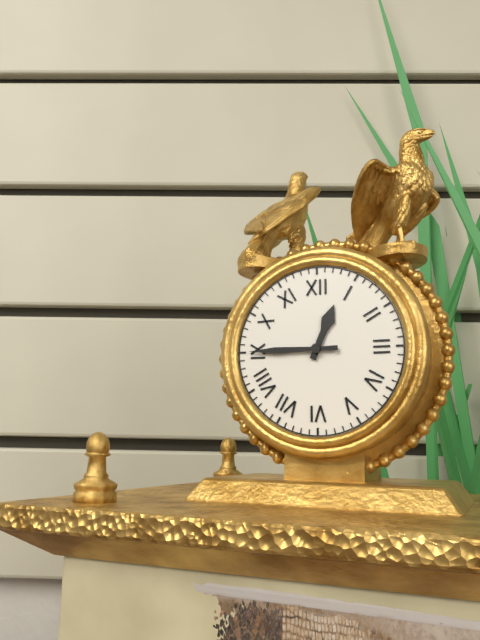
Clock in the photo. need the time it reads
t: 12:45
